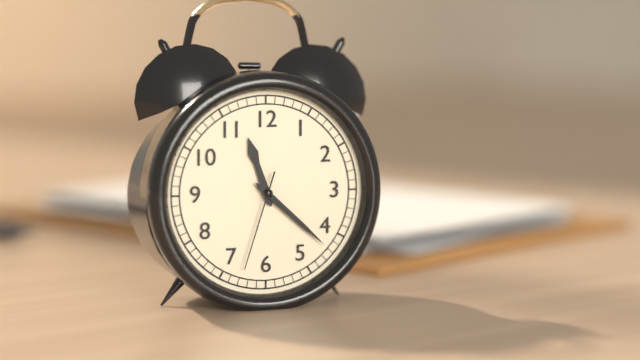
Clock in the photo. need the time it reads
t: 11:22:33
